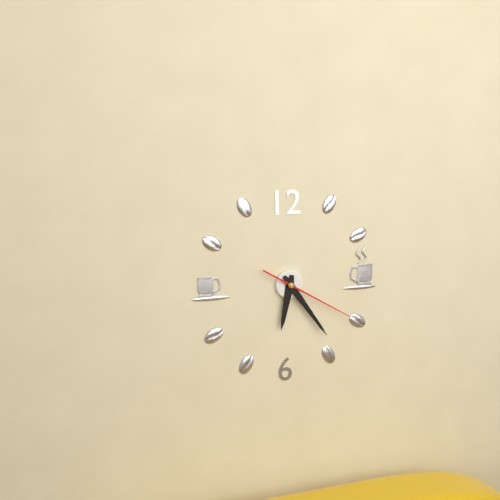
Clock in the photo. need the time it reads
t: 6:24:20
